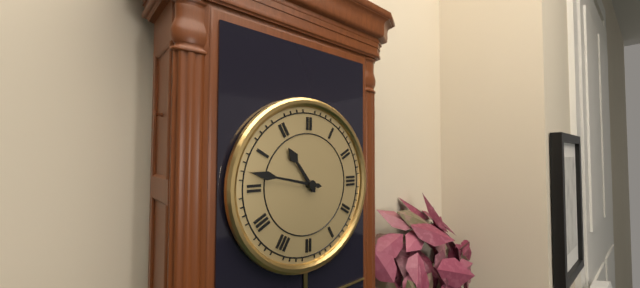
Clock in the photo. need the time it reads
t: 10:47
